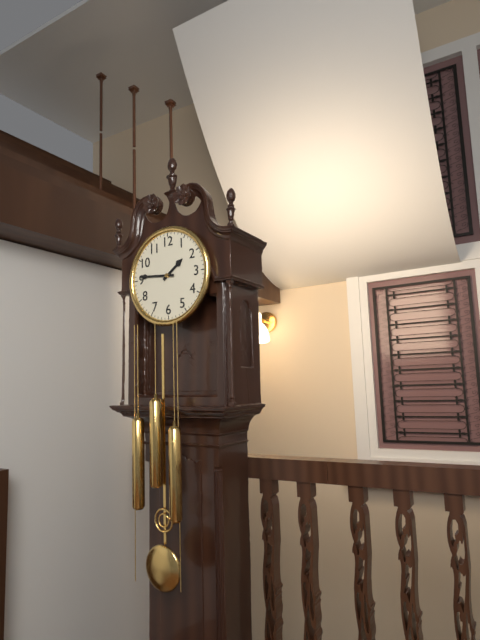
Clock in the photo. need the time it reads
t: 1:46
